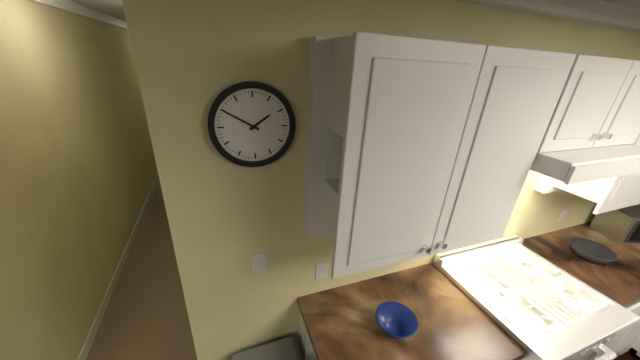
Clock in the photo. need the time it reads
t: 1:50
